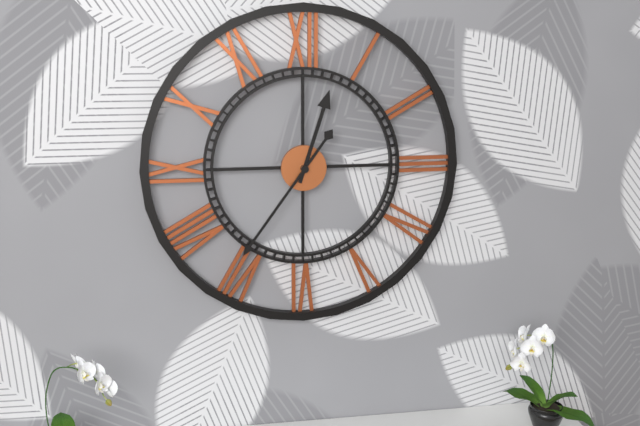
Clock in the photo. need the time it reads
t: 12:36
